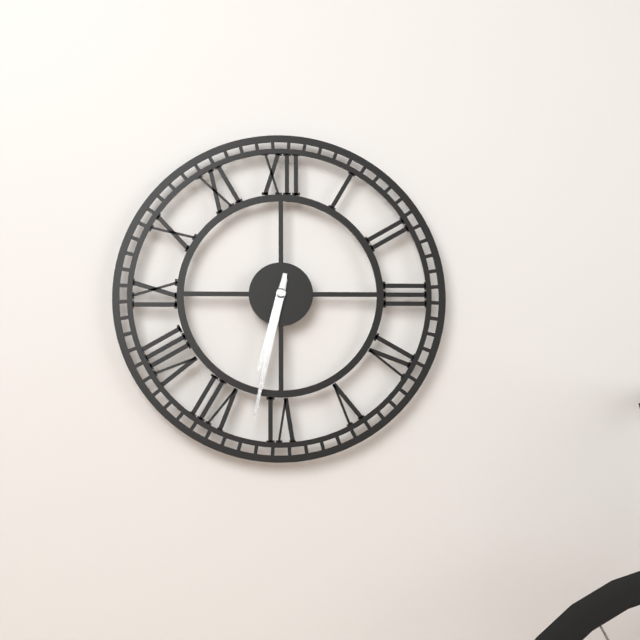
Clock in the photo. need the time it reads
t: 6:32
